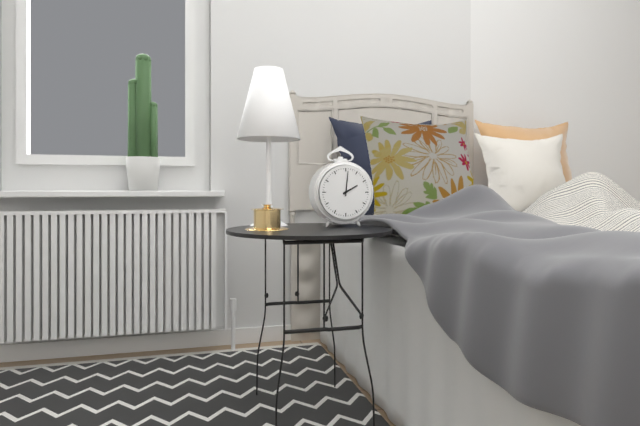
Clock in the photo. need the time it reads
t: 2:01
